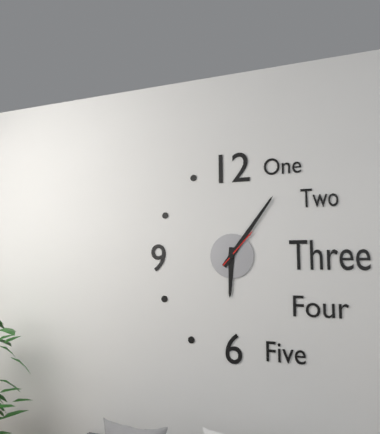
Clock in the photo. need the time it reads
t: 6:06
